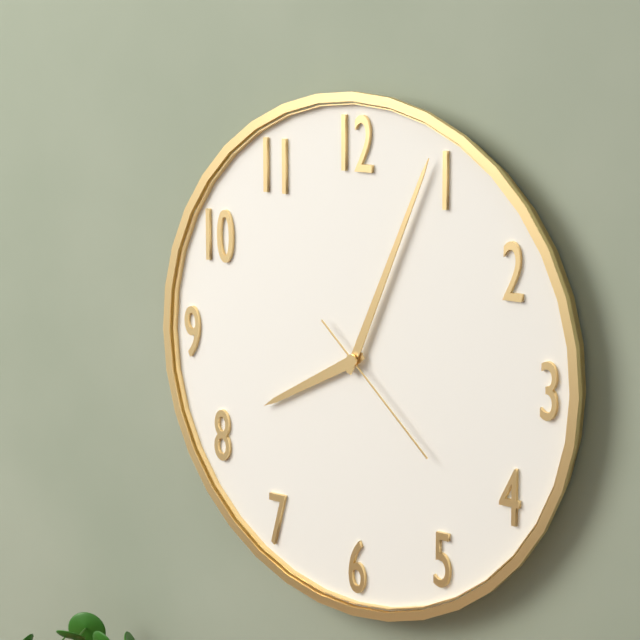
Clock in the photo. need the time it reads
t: 8:04:22
